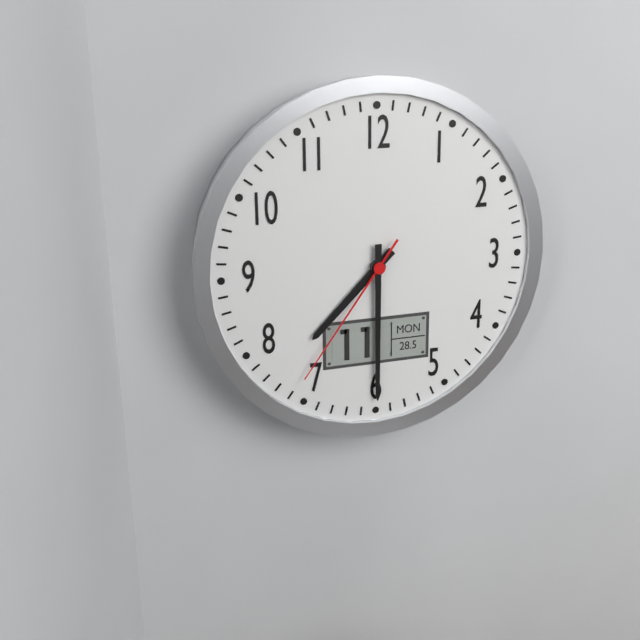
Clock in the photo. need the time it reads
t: 7:30:36
